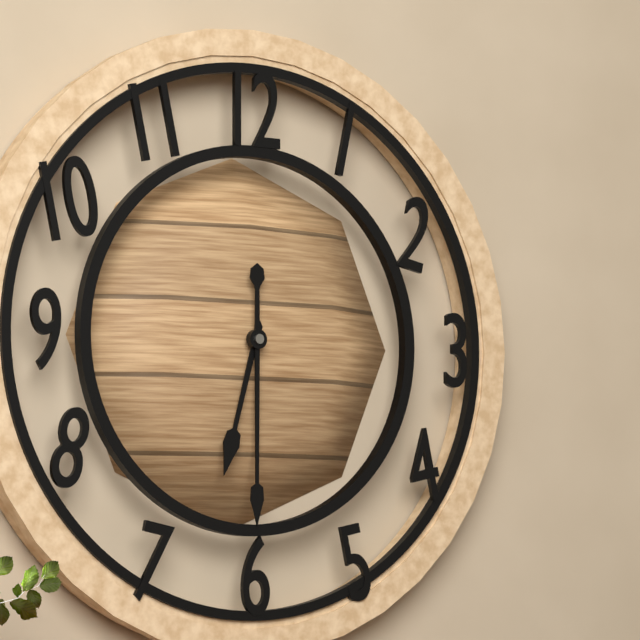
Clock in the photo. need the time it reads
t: 6:30
